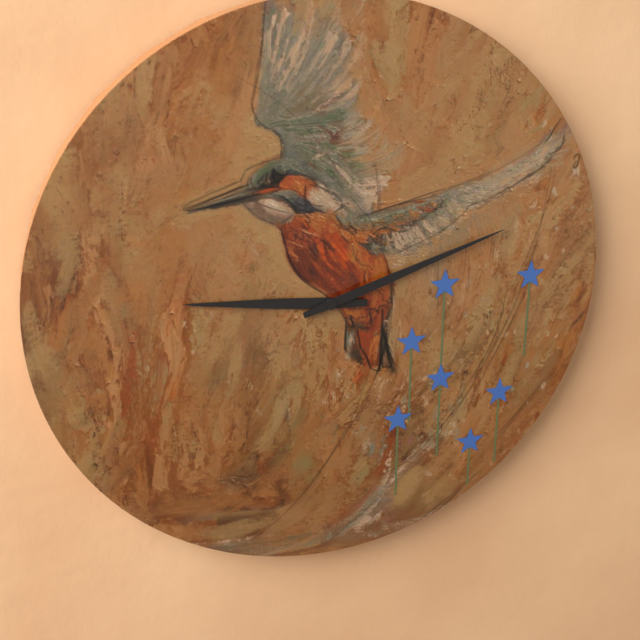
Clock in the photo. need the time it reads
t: 9:12
